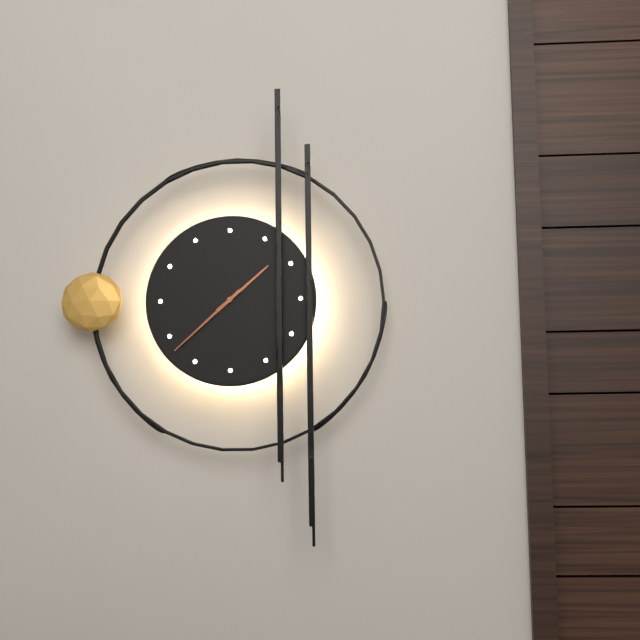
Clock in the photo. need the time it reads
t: 1:38
